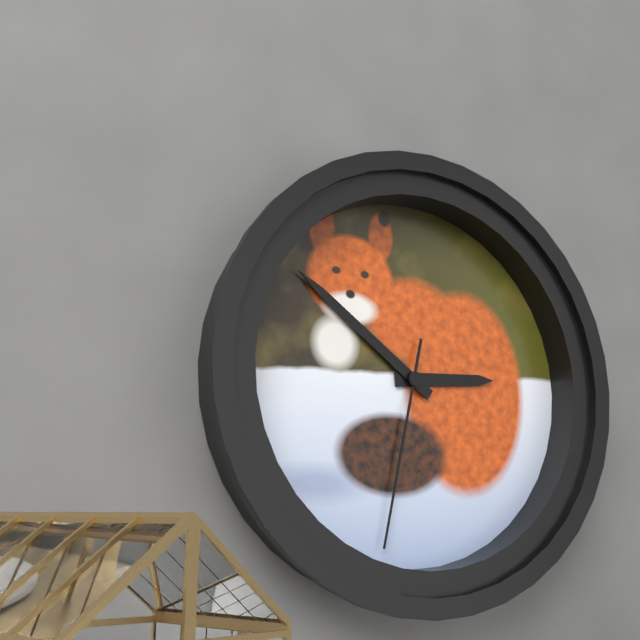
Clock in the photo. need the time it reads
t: 2:51:32
